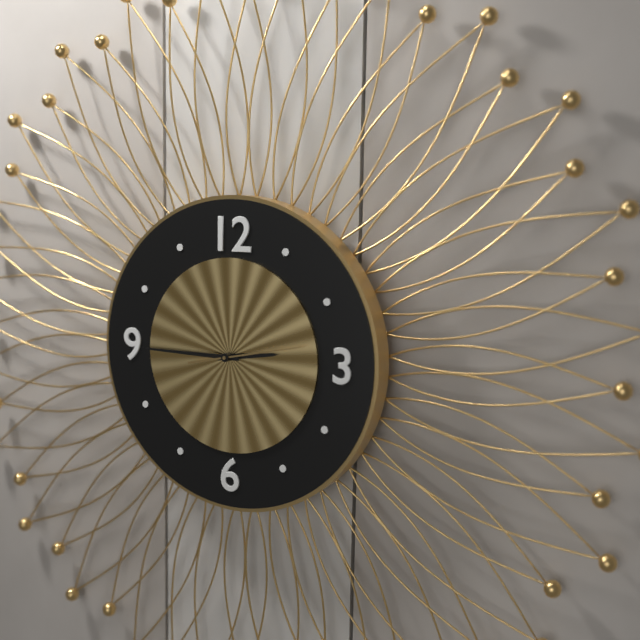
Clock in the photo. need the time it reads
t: 2:45:13
